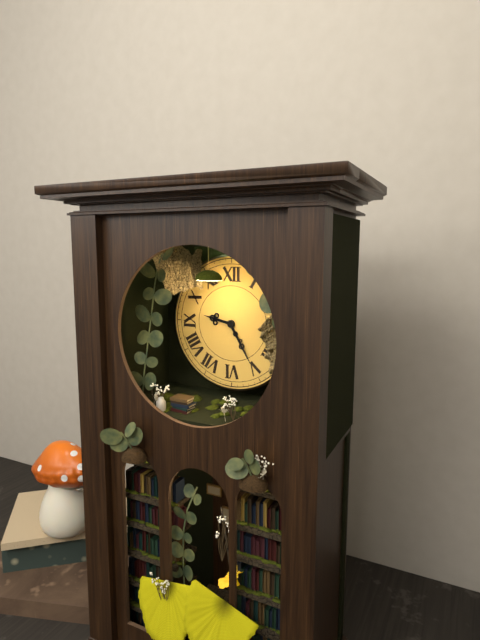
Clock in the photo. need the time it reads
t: 9:25
